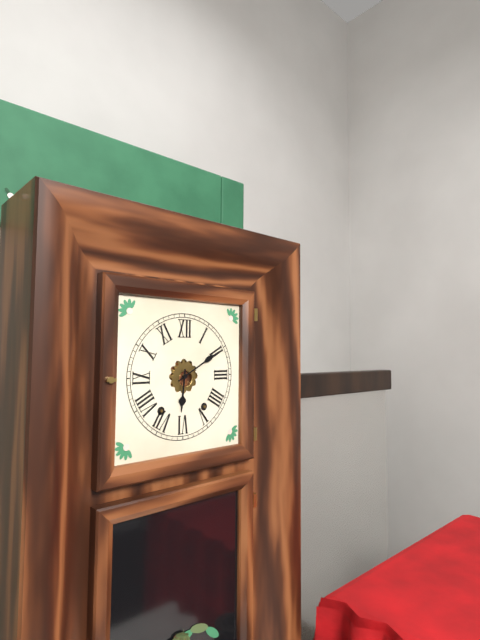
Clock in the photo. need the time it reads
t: 6:10
